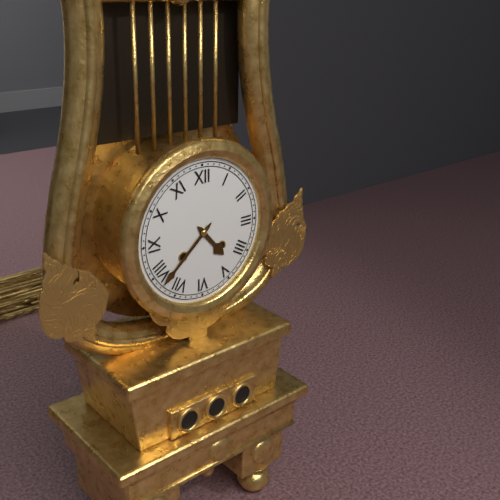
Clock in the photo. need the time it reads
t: 4:38
